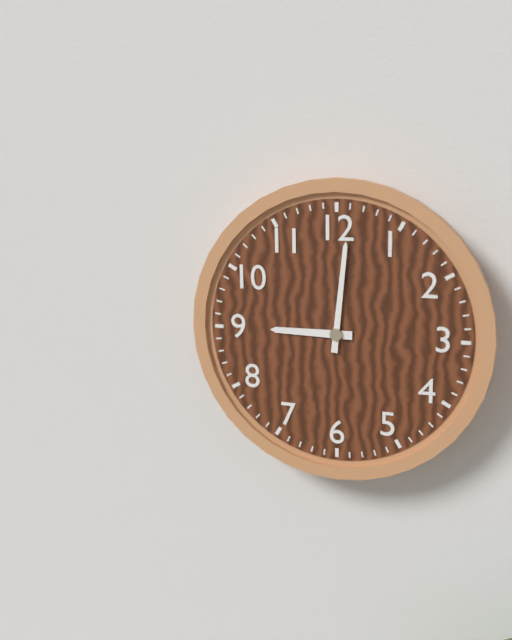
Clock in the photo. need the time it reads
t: 9:01
